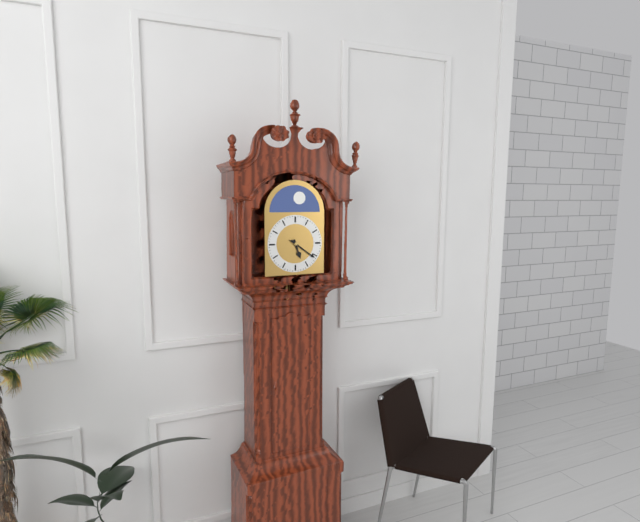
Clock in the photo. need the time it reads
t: 5:21
